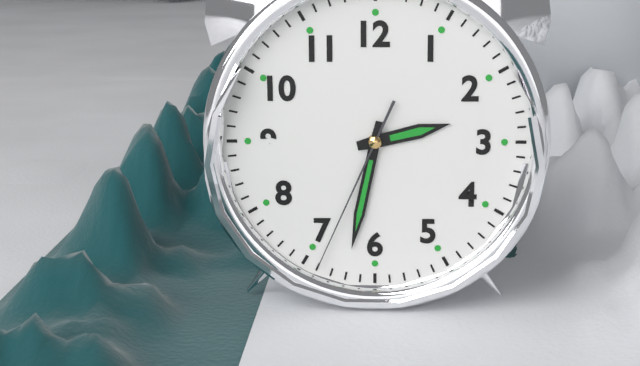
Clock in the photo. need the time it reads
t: 2:32:34
